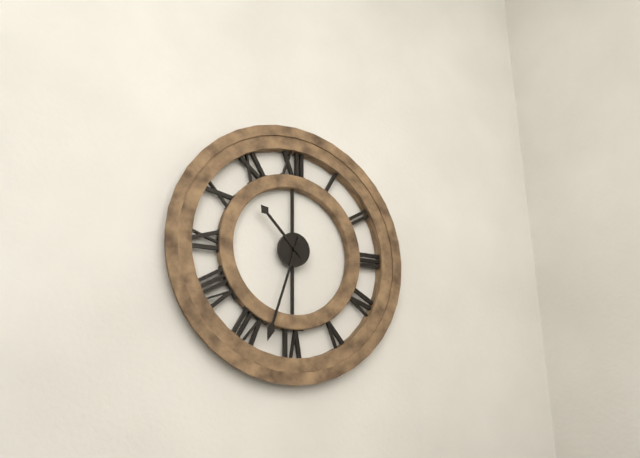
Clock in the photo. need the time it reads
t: 10:33
